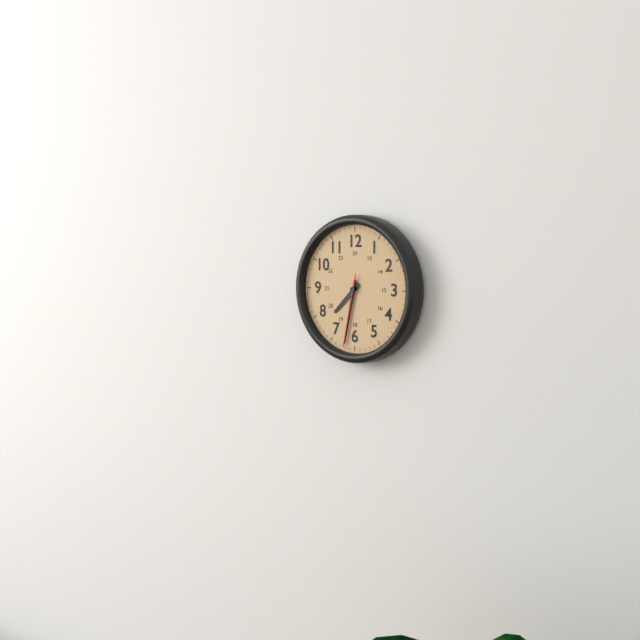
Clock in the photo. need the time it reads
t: 7:32:32
